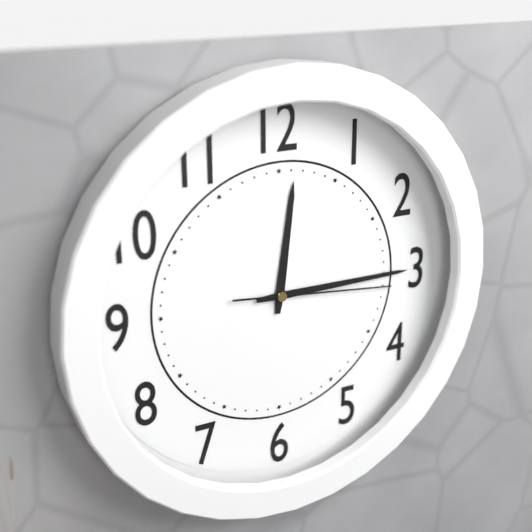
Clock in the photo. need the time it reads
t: 12:15:16
